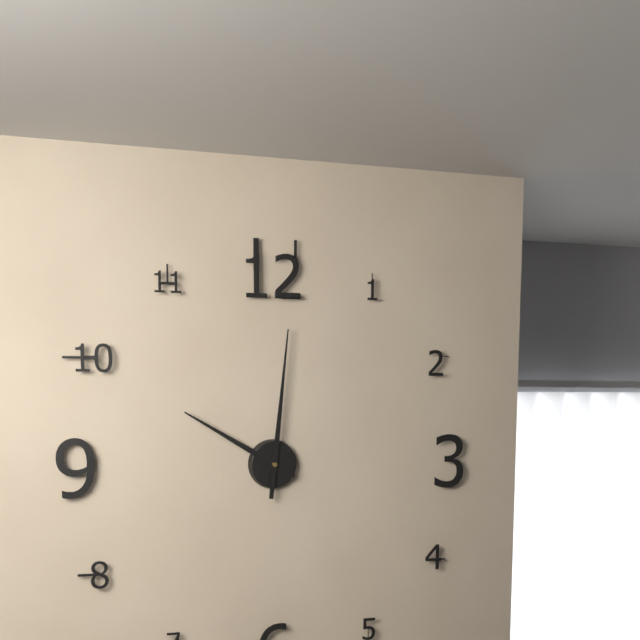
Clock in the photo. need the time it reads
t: 10:01
